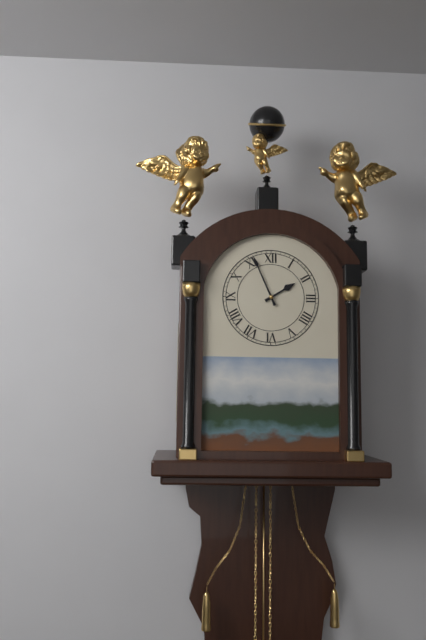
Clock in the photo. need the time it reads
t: 1:56
